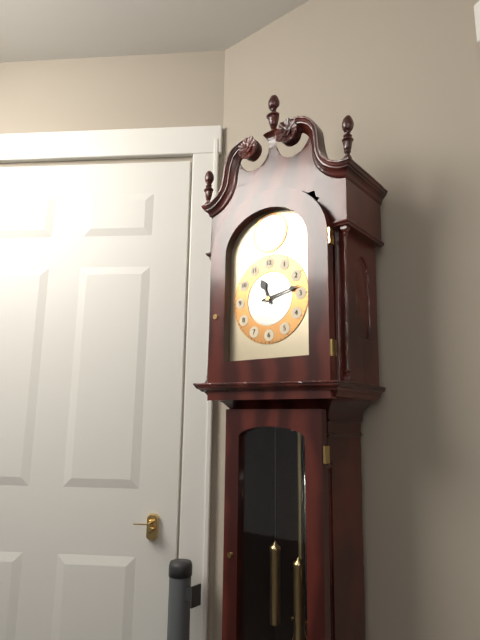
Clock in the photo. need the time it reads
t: 11:13
